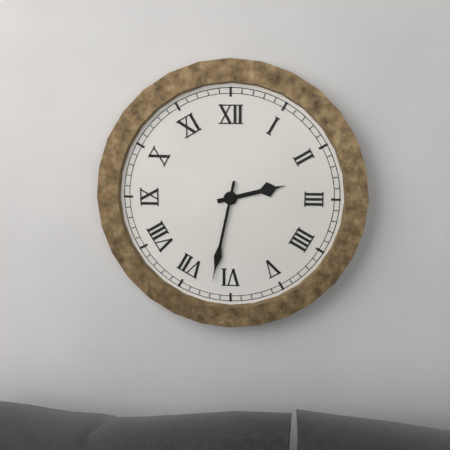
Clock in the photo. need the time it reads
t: 2:32
